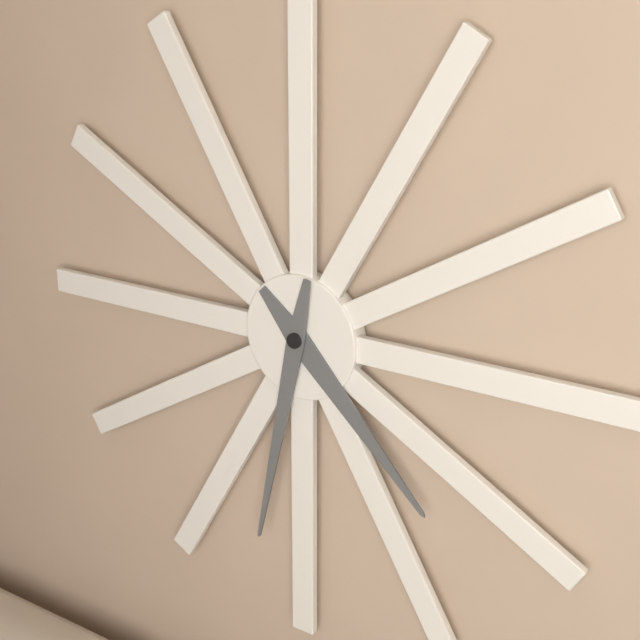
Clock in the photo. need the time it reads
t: 4:32
